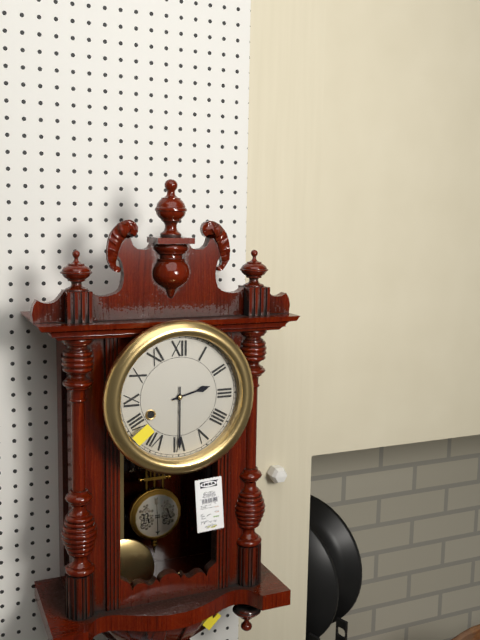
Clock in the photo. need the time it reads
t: 2:30
